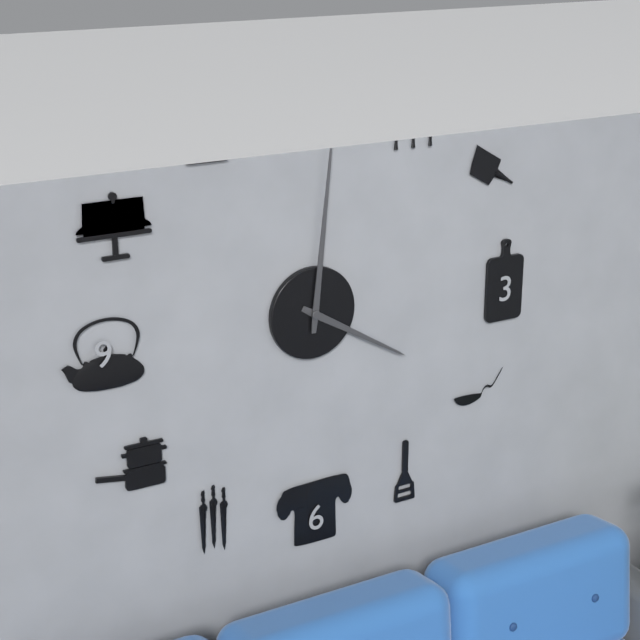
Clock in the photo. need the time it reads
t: 4:01
